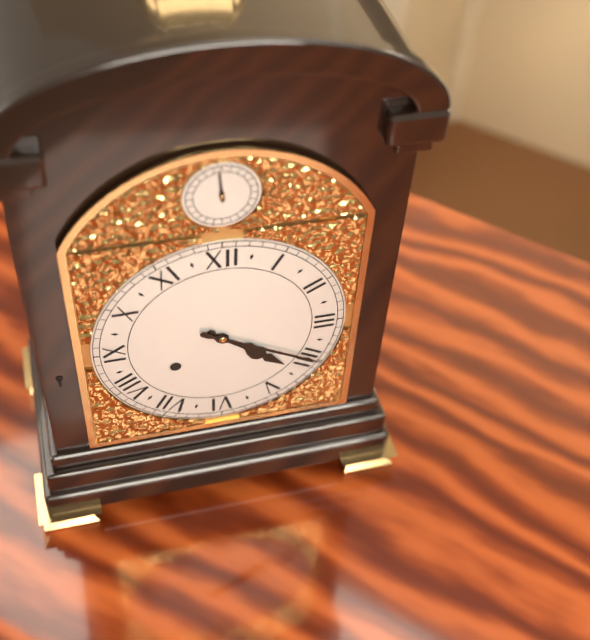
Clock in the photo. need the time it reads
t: 4:20
